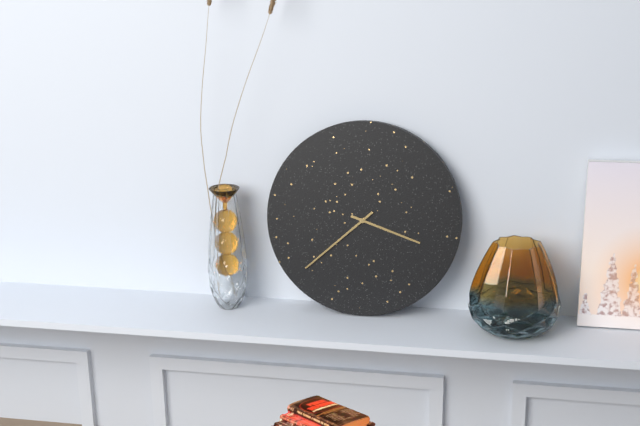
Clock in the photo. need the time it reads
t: 3:38
